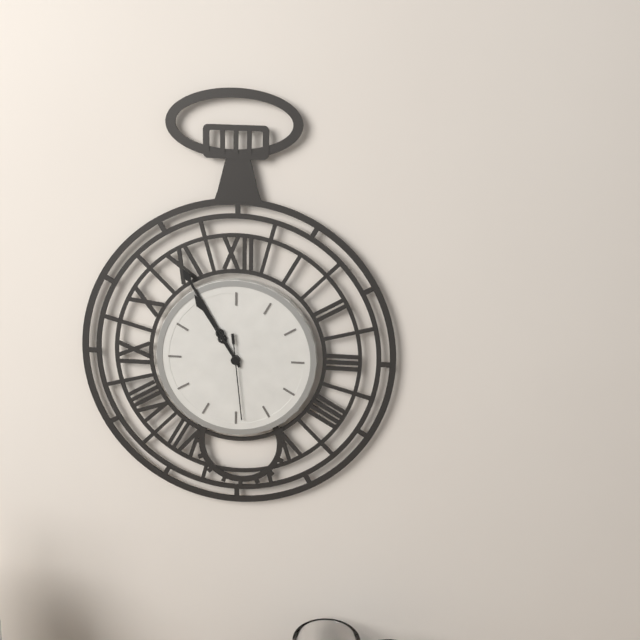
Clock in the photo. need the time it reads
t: 10:55:29
